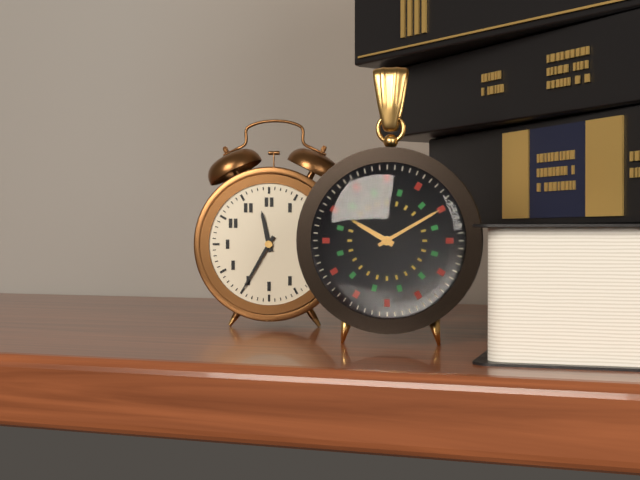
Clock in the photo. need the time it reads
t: 11:35
